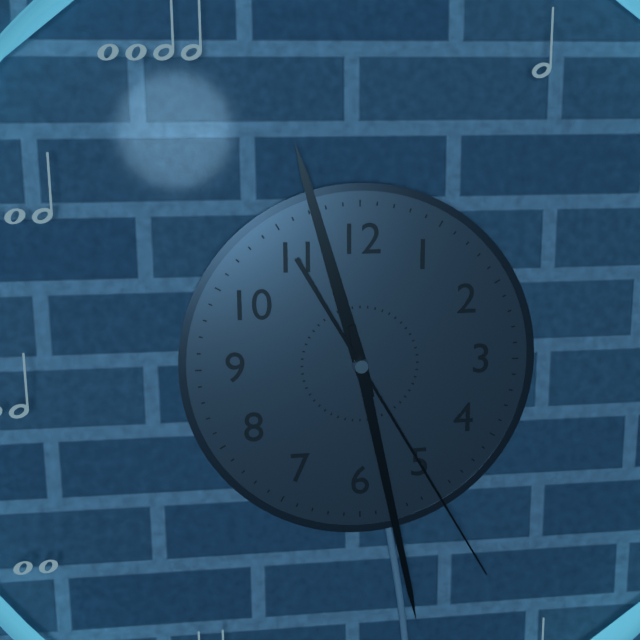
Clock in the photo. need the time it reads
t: 11:28:25
